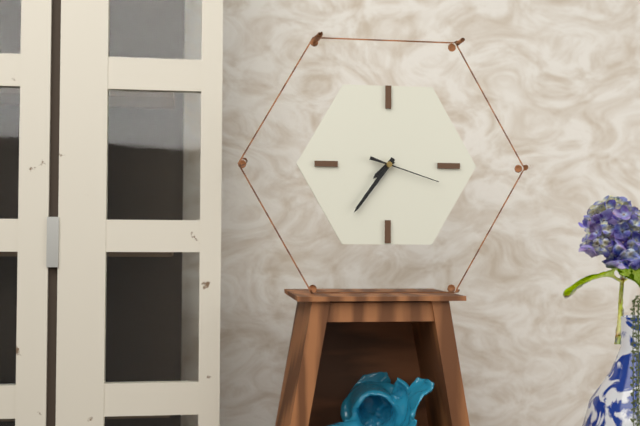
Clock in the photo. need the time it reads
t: 7:36:18
